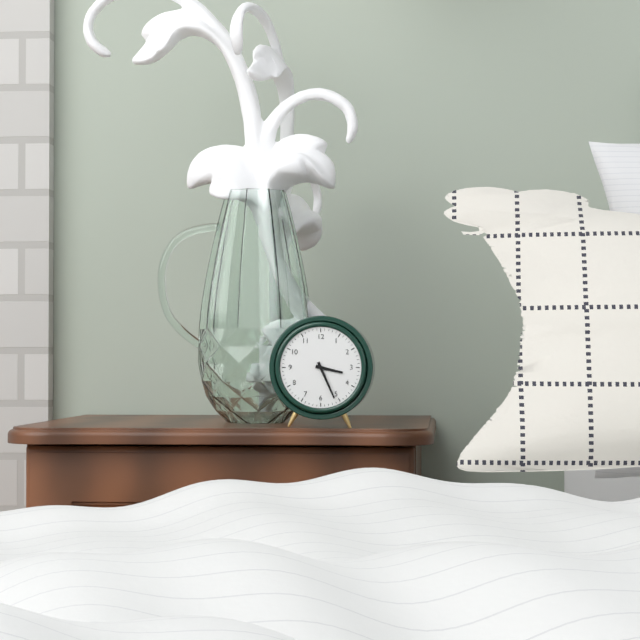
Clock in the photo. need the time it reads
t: 3:26
